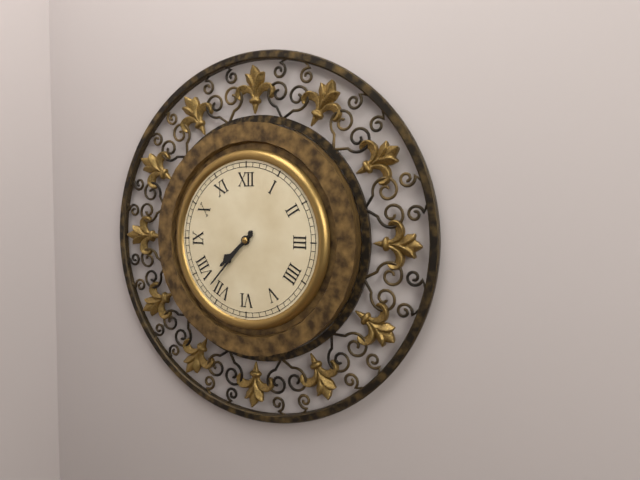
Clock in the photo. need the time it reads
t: 7:37
